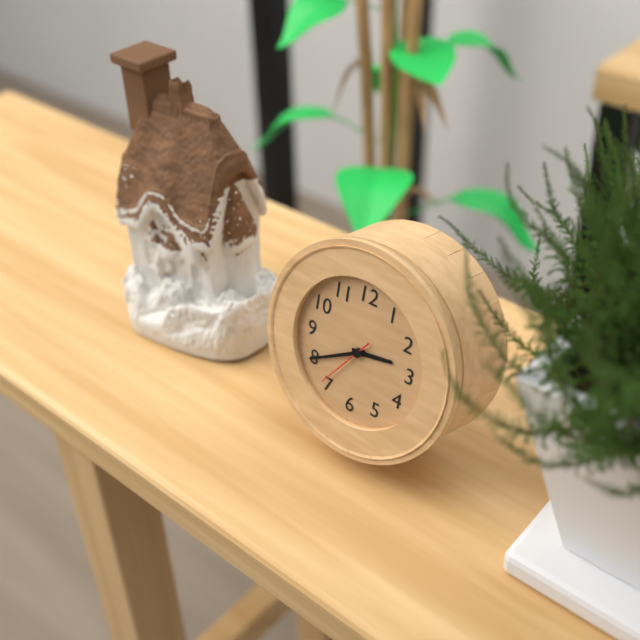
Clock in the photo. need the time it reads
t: 2:40:36
